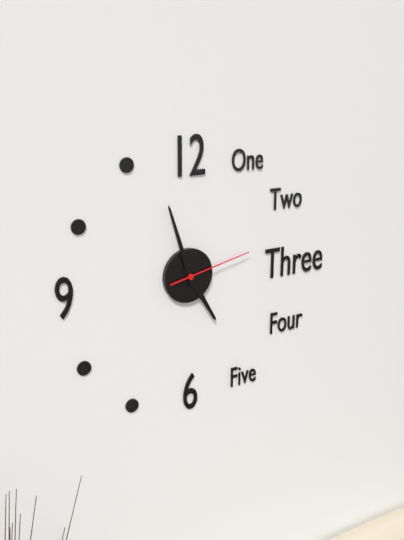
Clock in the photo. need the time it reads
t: 4:57:13
